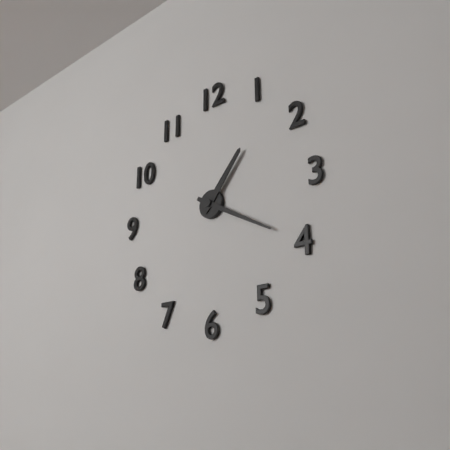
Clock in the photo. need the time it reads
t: 1:20
